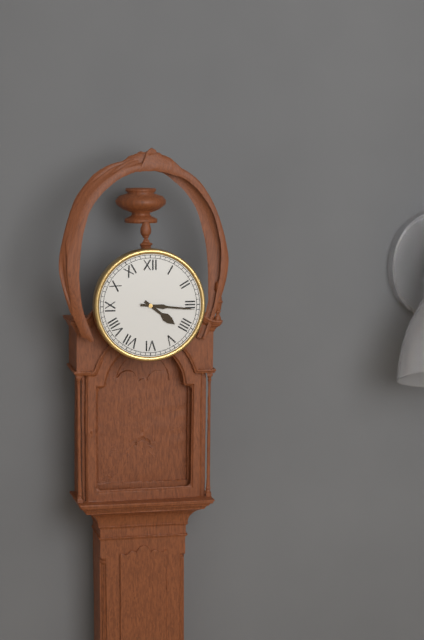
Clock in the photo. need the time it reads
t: 4:16
